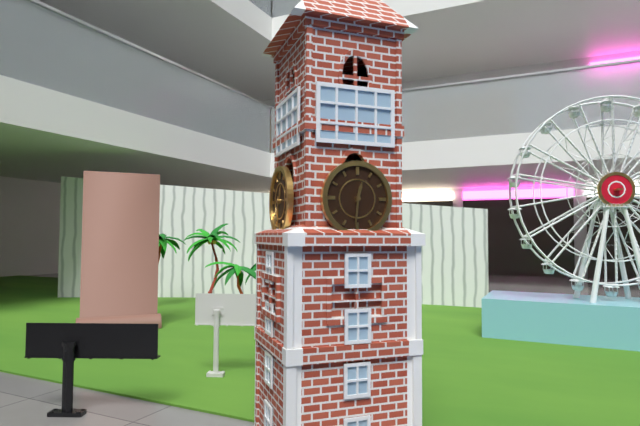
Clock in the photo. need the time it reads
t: 12:31
